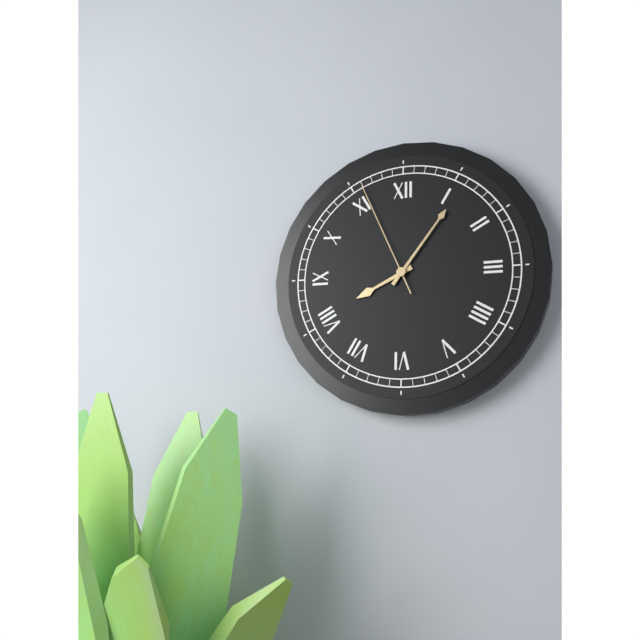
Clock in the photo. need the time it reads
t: 8:06:56
